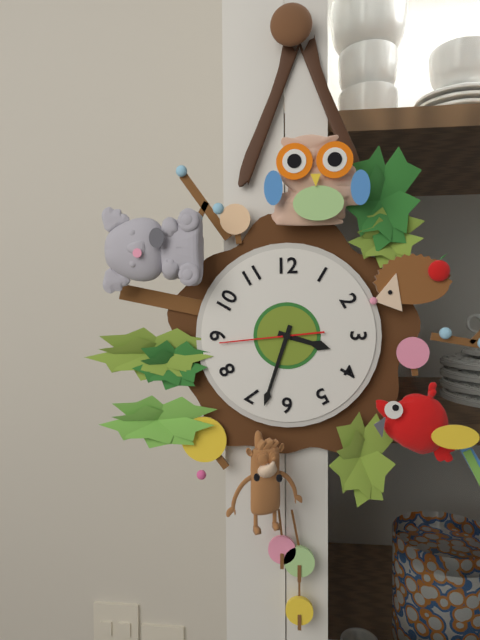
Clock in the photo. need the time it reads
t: 3:33:44
